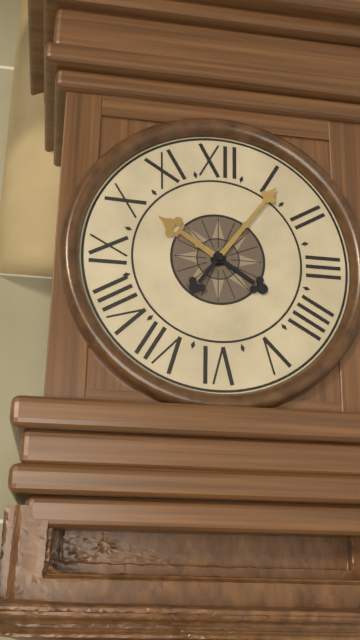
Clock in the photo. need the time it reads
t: 10:06
